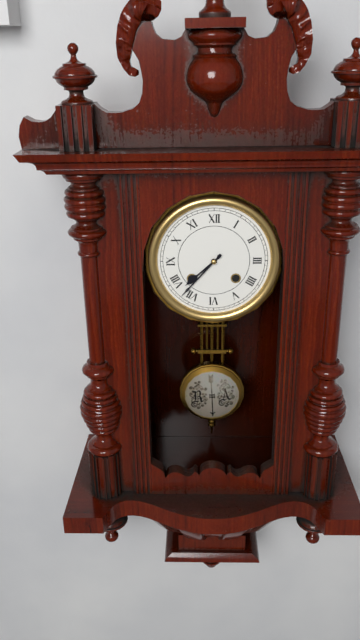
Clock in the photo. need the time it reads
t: 7:37
